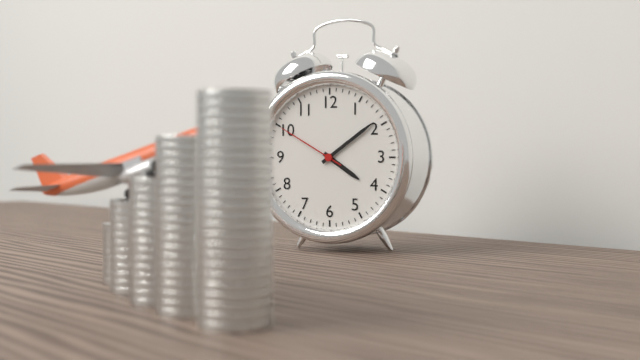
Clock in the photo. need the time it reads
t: 4:09:50
